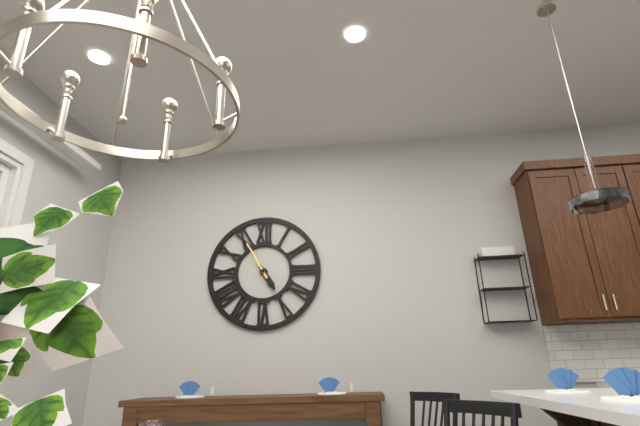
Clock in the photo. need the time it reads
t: 4:55
